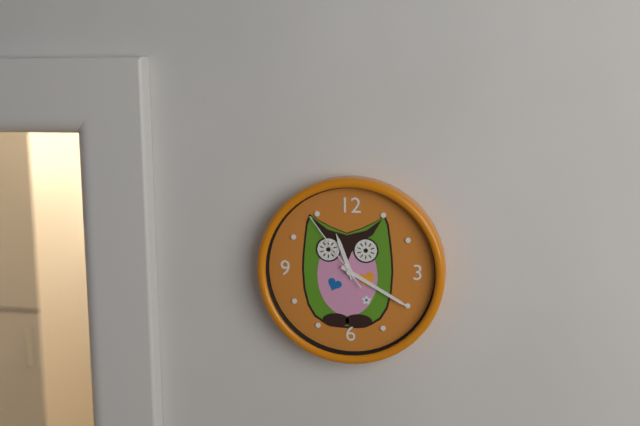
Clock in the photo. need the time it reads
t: 11:20:54
